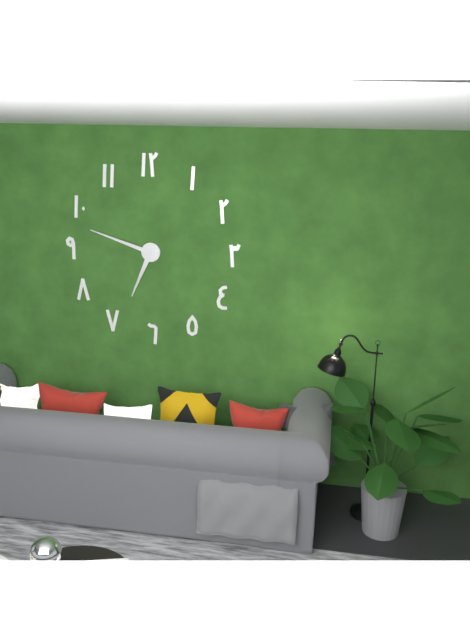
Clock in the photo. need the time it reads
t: 6:48
